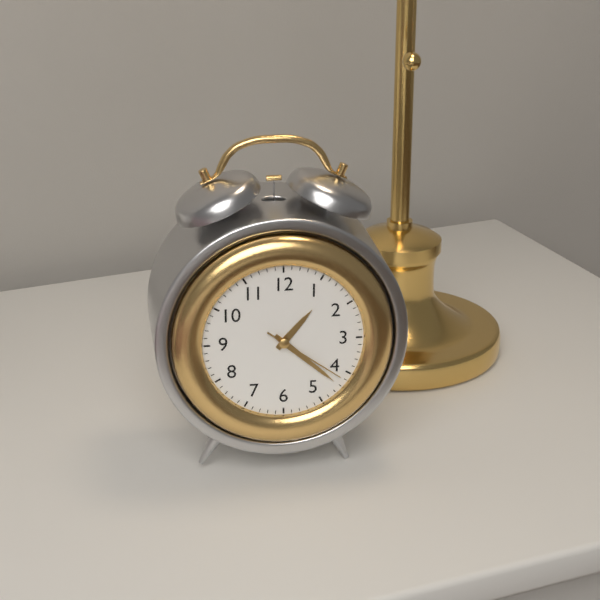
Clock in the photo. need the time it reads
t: 1:22:21
